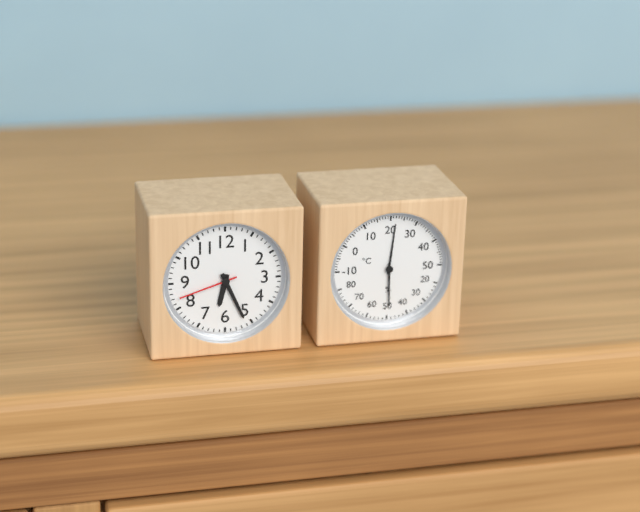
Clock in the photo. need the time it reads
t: 6:26:42
